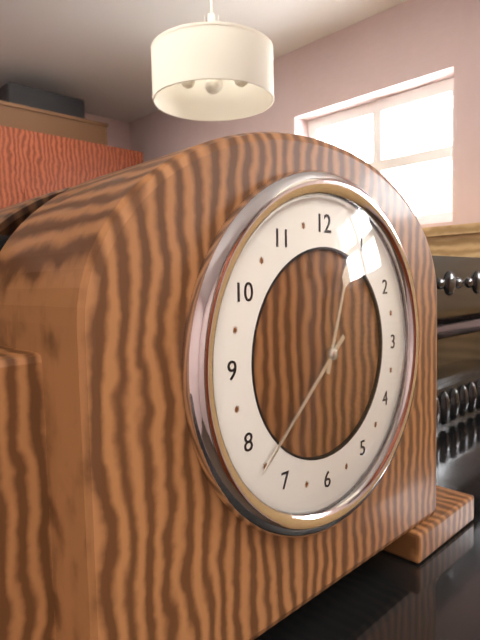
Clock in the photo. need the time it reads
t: 12:38
